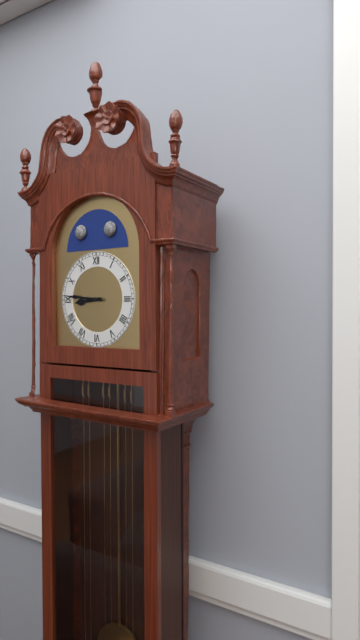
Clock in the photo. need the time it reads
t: 8:46
